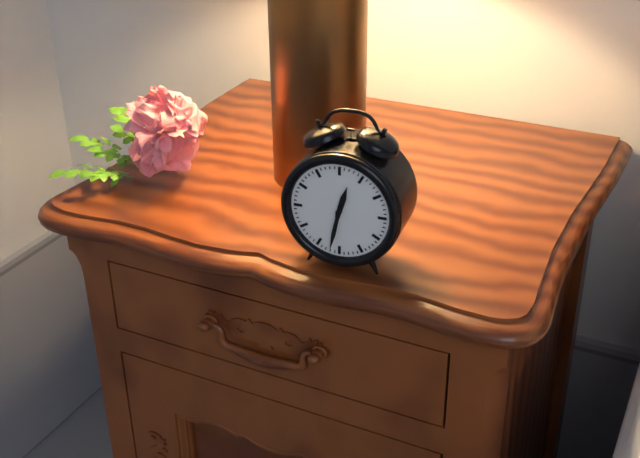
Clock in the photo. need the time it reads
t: 12:32
